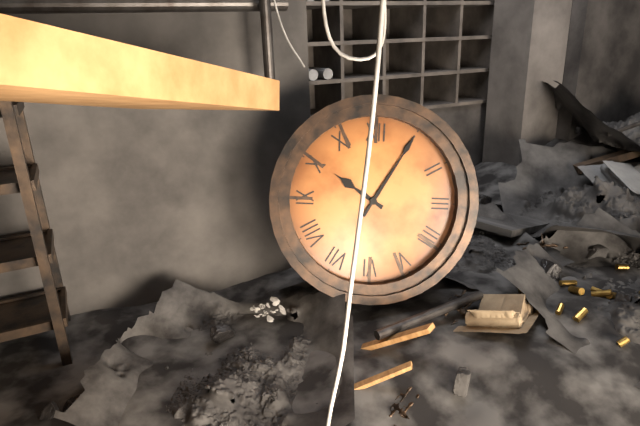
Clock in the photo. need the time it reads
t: 10:05
